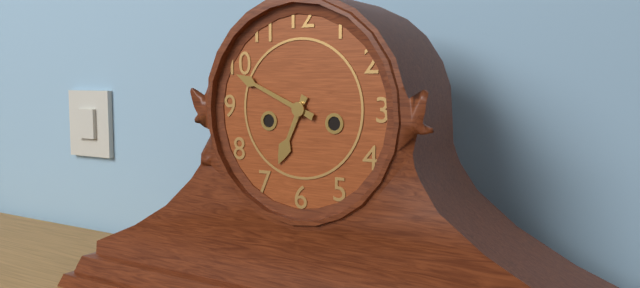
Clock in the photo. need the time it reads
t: 6:49
